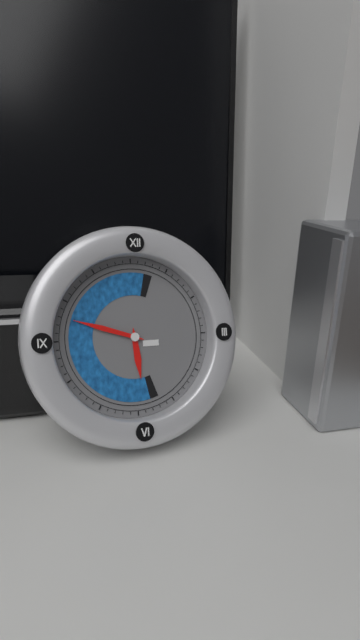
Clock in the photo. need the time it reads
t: 5:48
